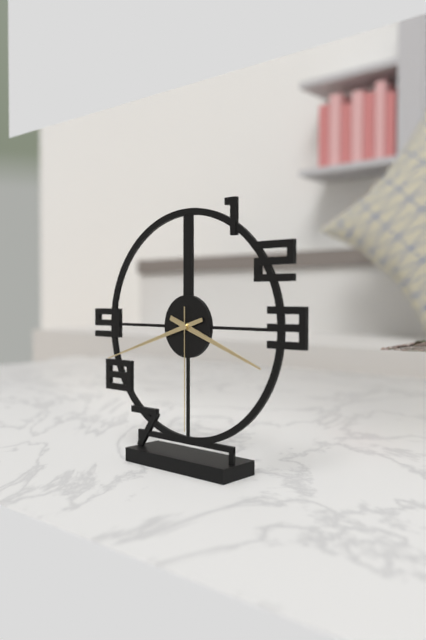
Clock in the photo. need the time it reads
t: 3:42:30
